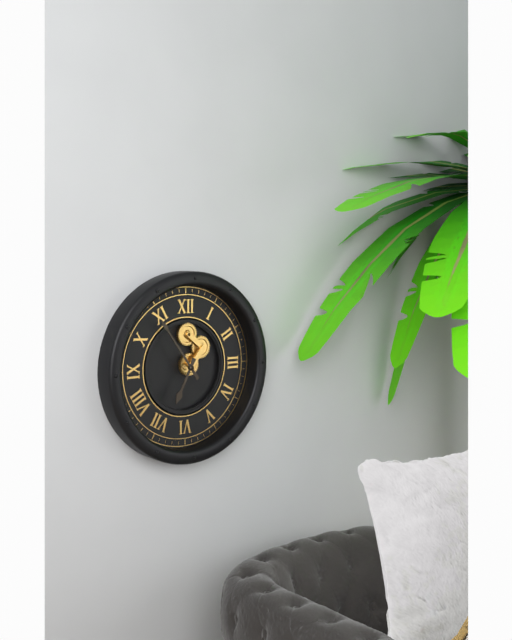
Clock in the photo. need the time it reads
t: 6:54
